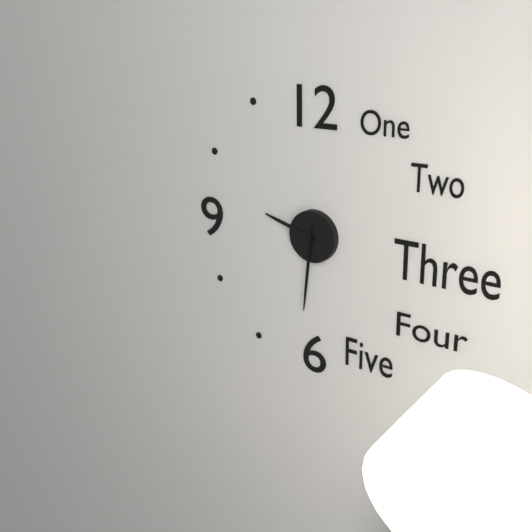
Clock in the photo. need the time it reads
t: 9:31:31
